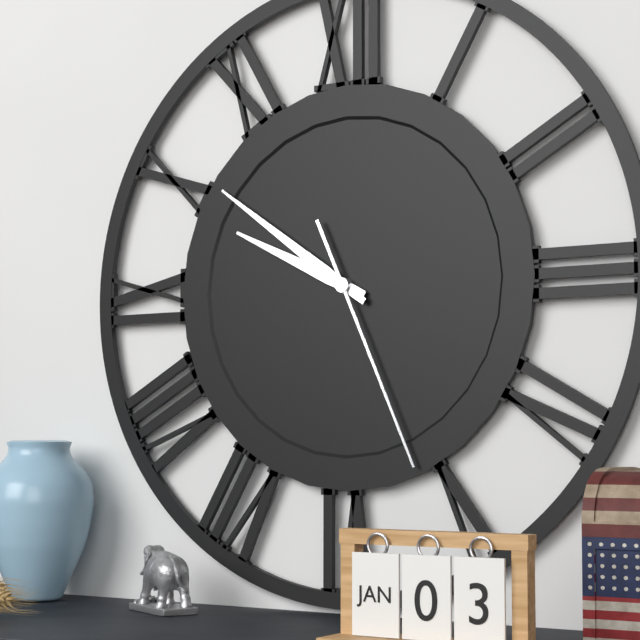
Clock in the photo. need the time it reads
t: 9:51:26
